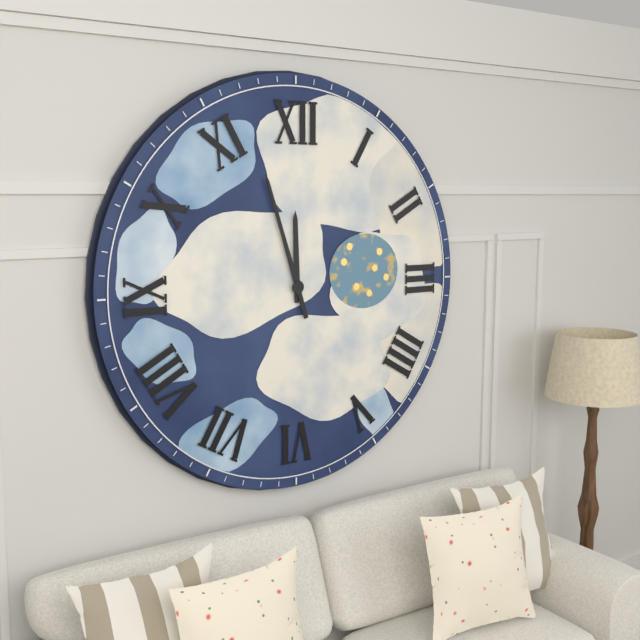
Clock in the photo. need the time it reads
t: 11:57
